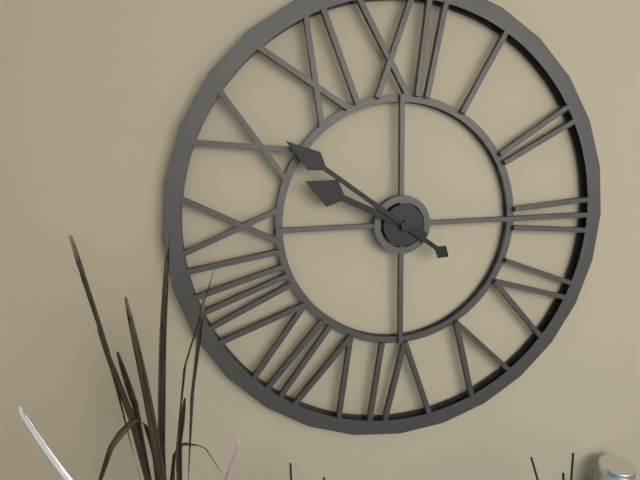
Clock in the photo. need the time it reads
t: 9:51
